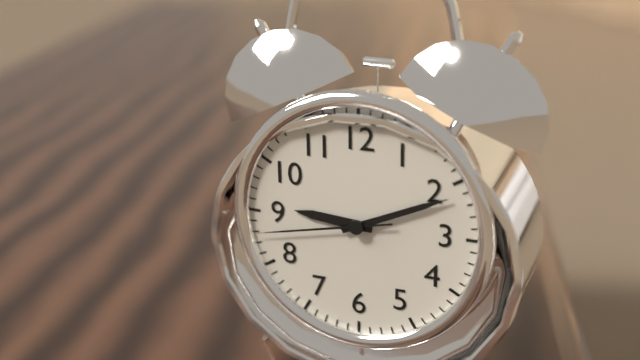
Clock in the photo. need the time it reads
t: 9:11:43
